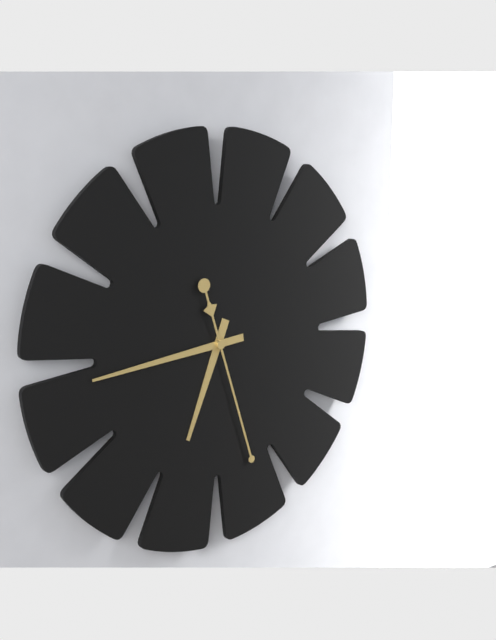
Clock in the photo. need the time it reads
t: 6:44:27
